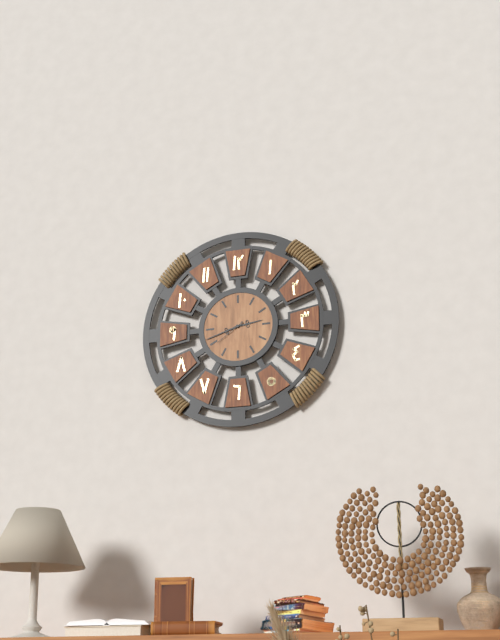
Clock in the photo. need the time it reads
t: 2:42
